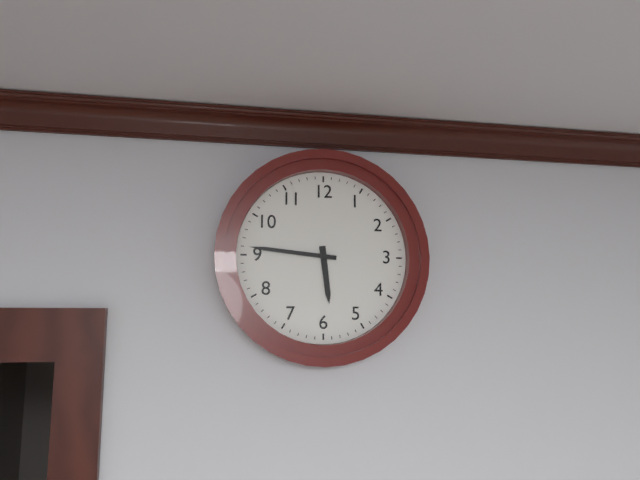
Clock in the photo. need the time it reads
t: 5:46
